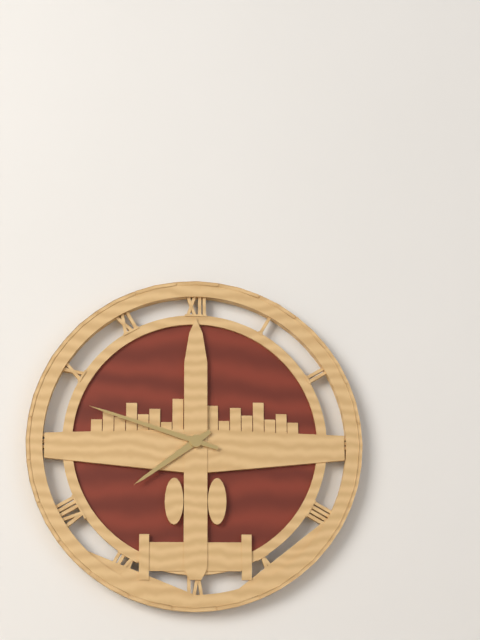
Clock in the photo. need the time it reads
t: 7:48
